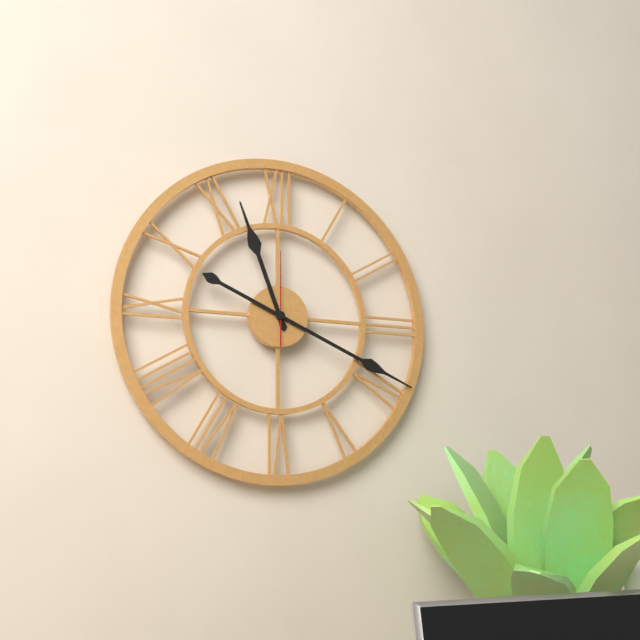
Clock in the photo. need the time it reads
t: 11:19:00
